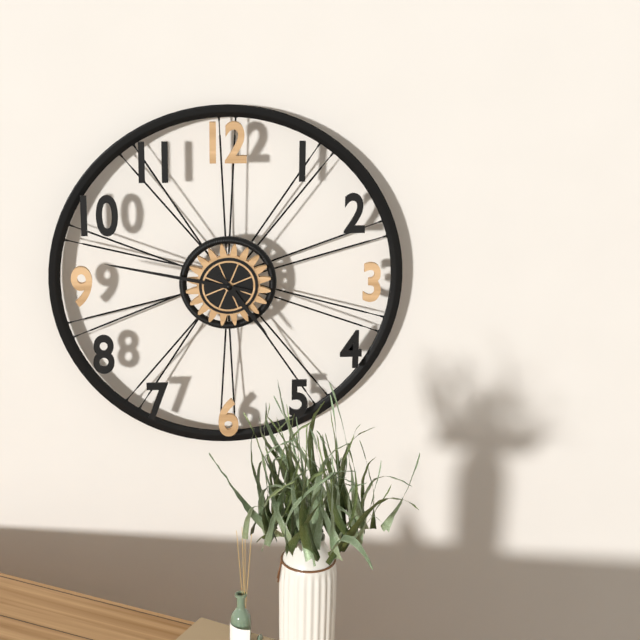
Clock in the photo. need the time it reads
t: 4:47
